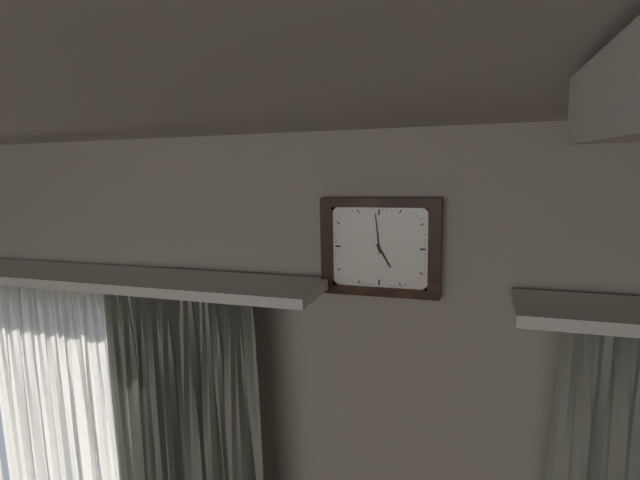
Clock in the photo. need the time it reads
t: 4:59
